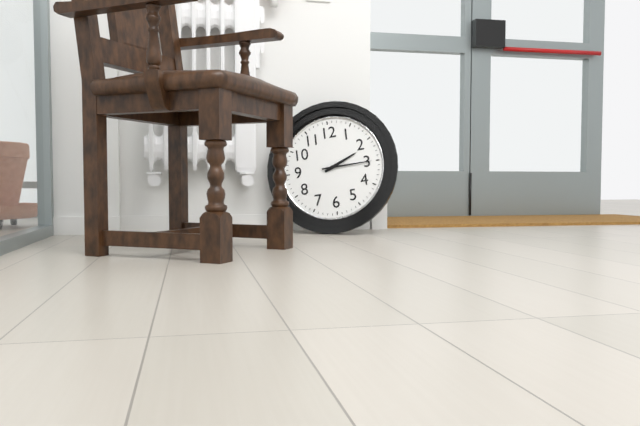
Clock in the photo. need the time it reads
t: 2:15
